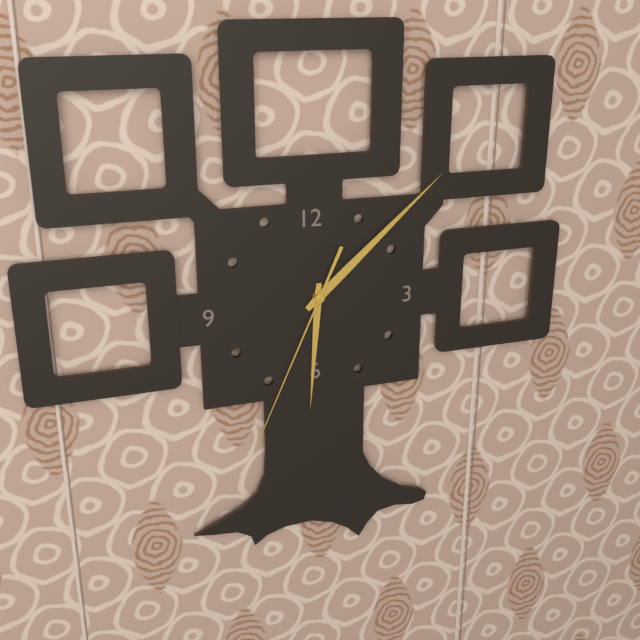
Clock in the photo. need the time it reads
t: 6:08:34
